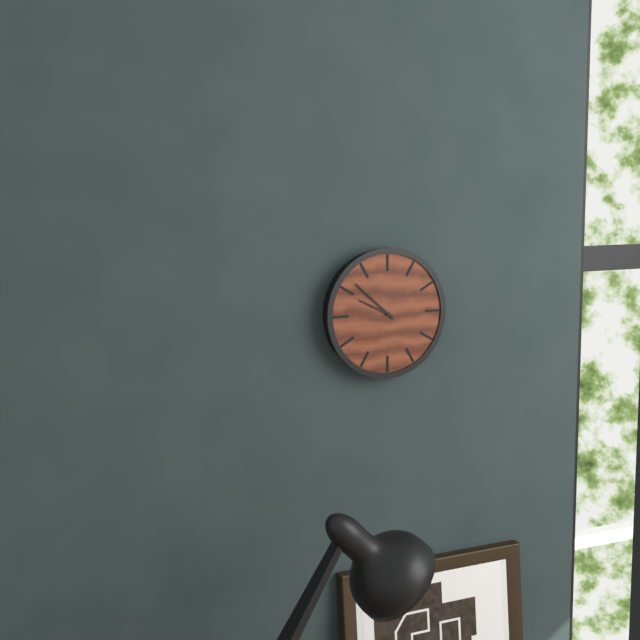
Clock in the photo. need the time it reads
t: 9:52
